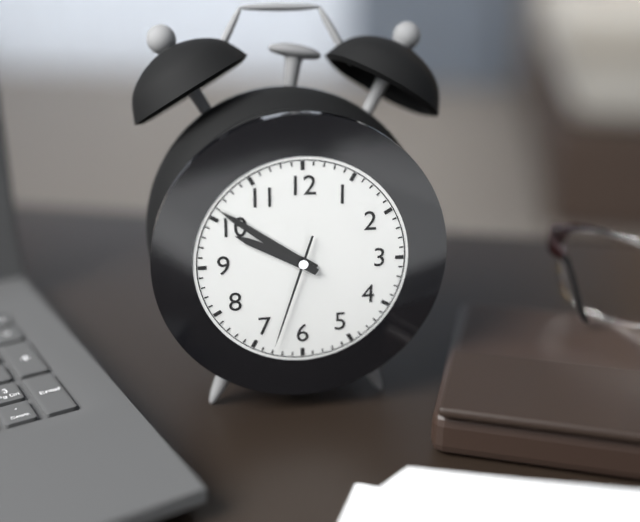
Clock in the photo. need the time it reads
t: 9:51:33
